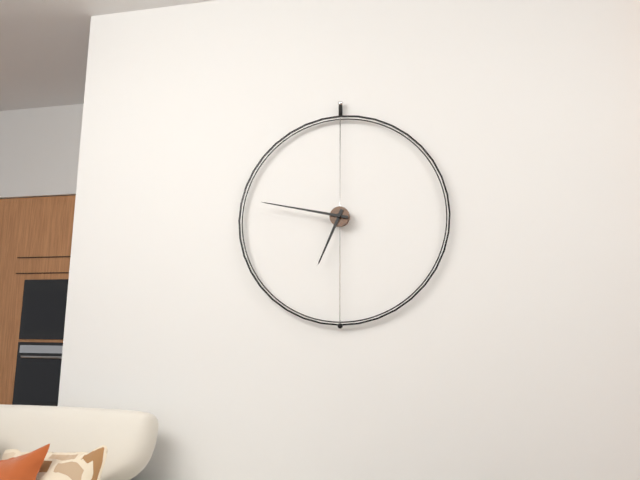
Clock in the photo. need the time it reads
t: 6:47
